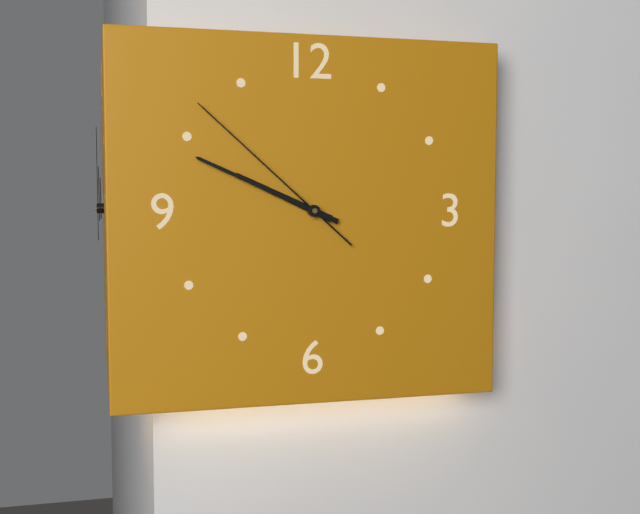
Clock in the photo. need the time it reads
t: 9:49:52
